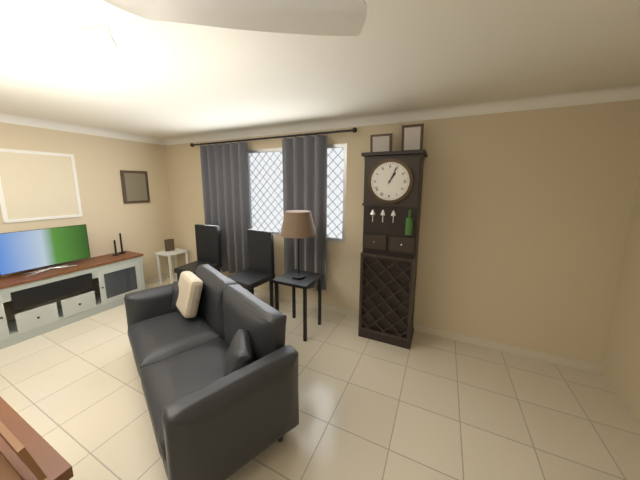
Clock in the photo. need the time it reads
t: 1:04
